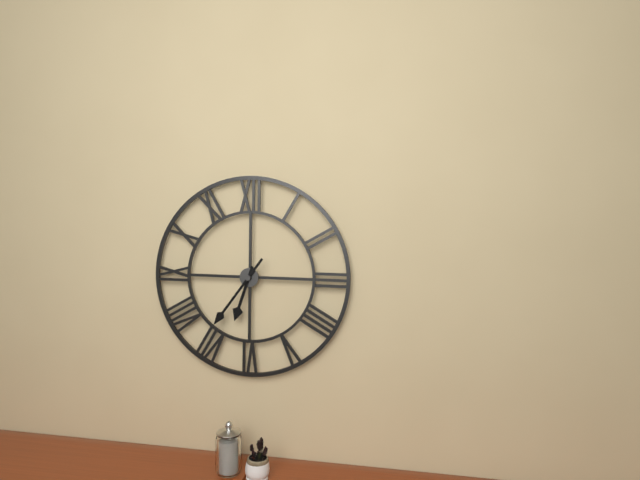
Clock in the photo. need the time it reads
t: 6:36
